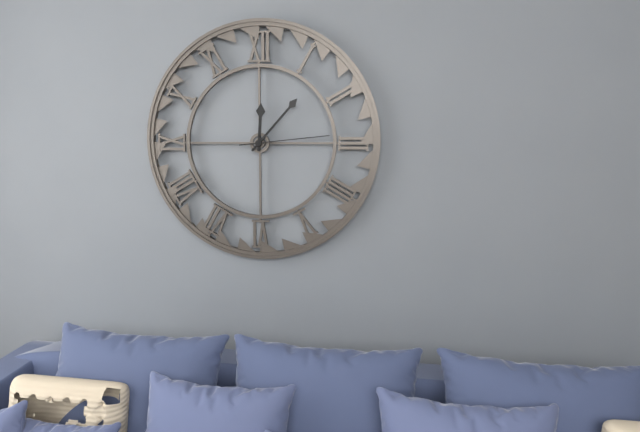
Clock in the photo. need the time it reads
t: 12:07:14
